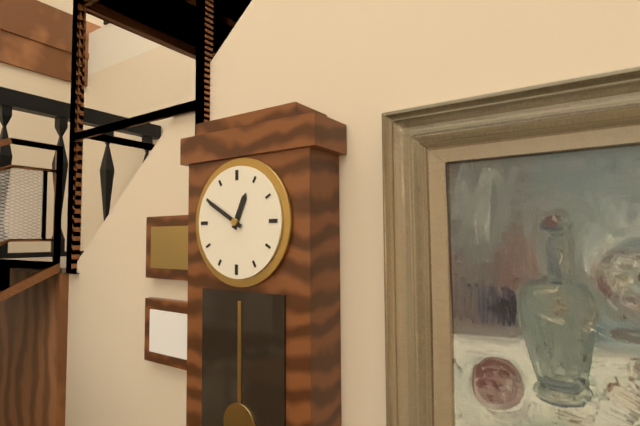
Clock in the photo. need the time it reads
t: 12:50
